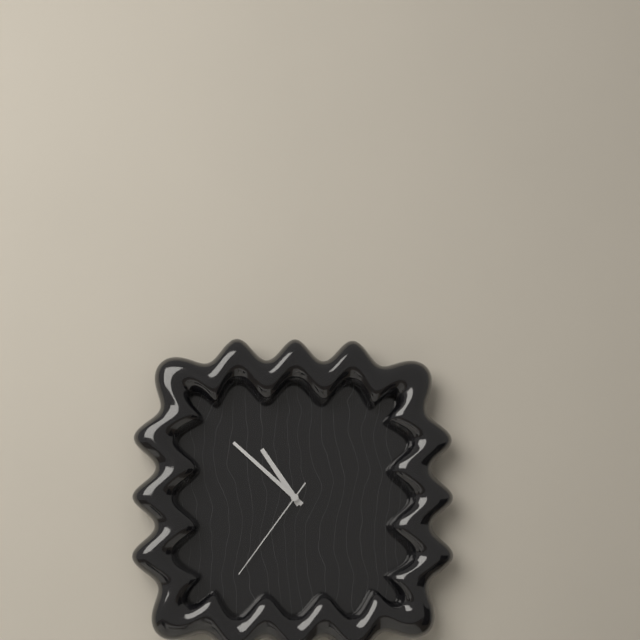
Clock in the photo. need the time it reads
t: 10:52:36
